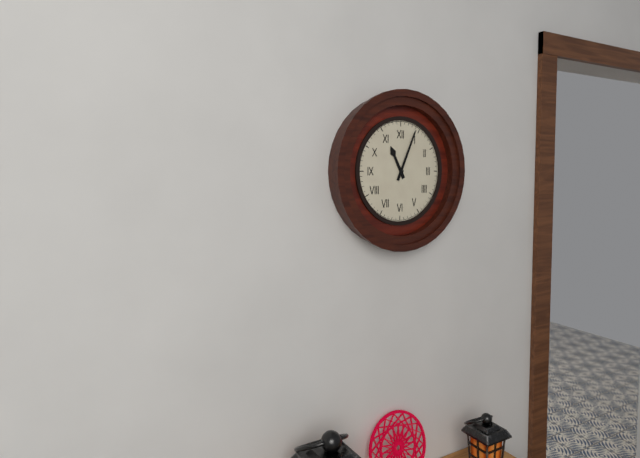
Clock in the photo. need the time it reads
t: 11:04
